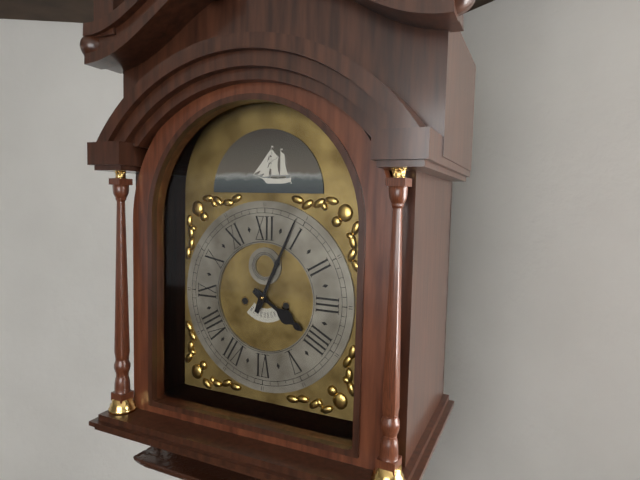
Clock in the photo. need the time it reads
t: 4:04
